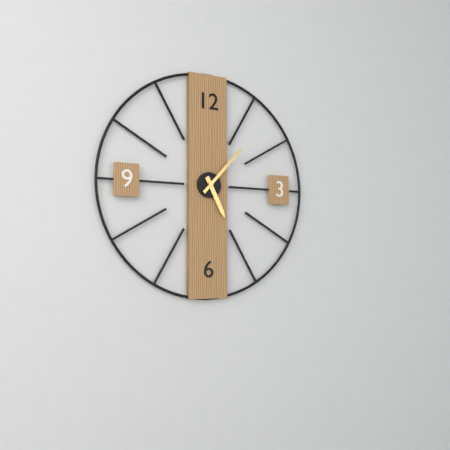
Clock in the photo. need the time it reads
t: 5:07
